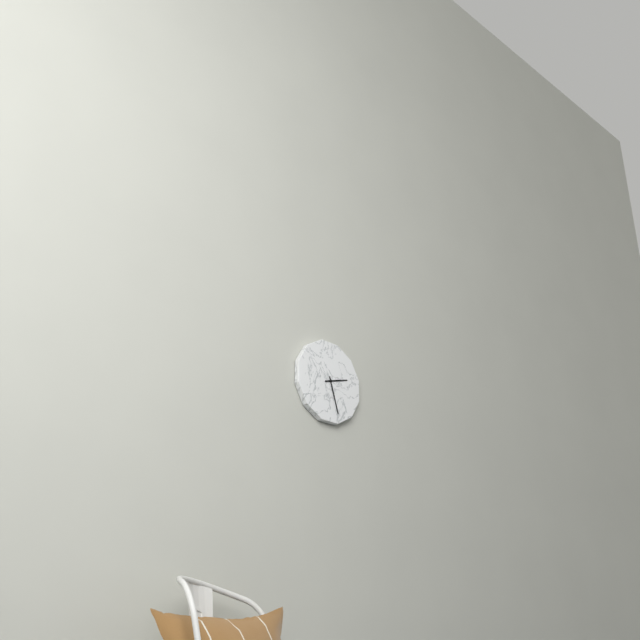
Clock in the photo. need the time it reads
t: 2:27
